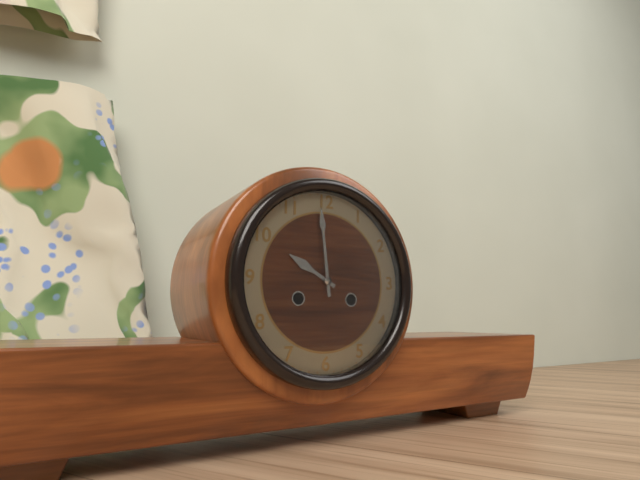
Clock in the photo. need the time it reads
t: 9:59
